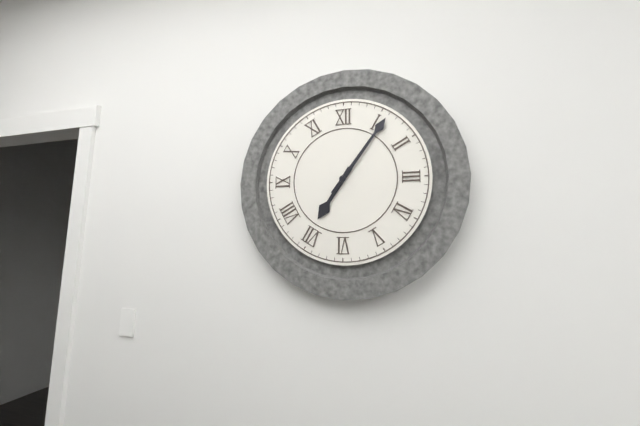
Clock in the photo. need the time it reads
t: 7:06
